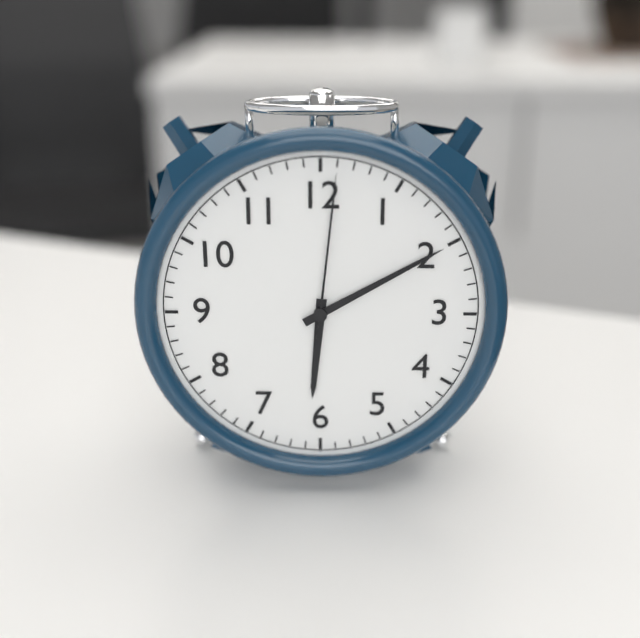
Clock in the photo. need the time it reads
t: 6:10:01
